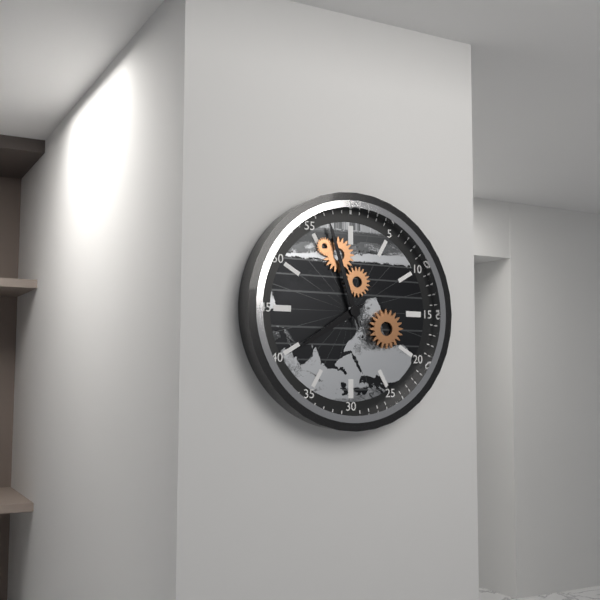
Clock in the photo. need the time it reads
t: 7:57
